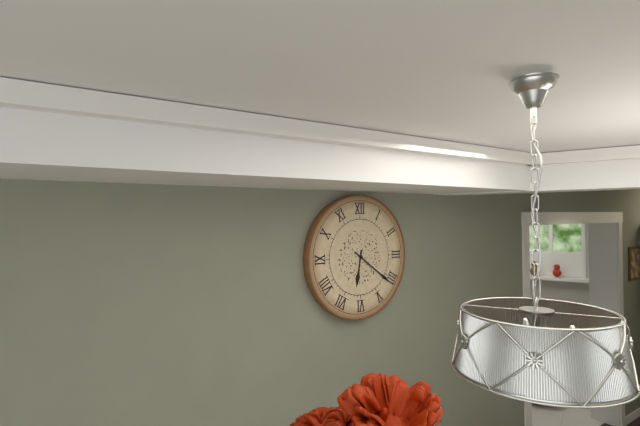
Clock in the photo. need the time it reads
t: 6:21
